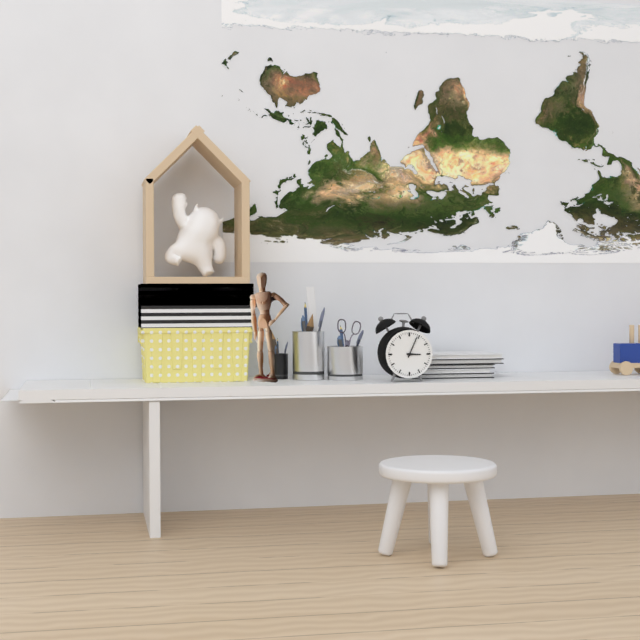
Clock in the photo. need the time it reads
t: 3:04
